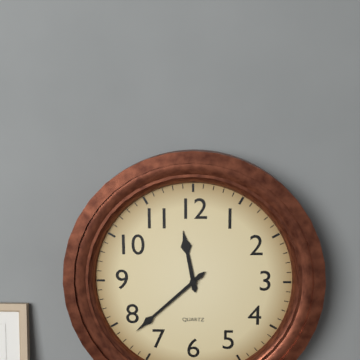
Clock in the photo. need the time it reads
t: 11:38
